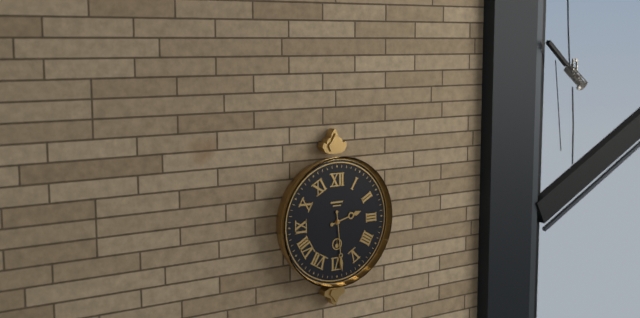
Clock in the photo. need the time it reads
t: 2:29
